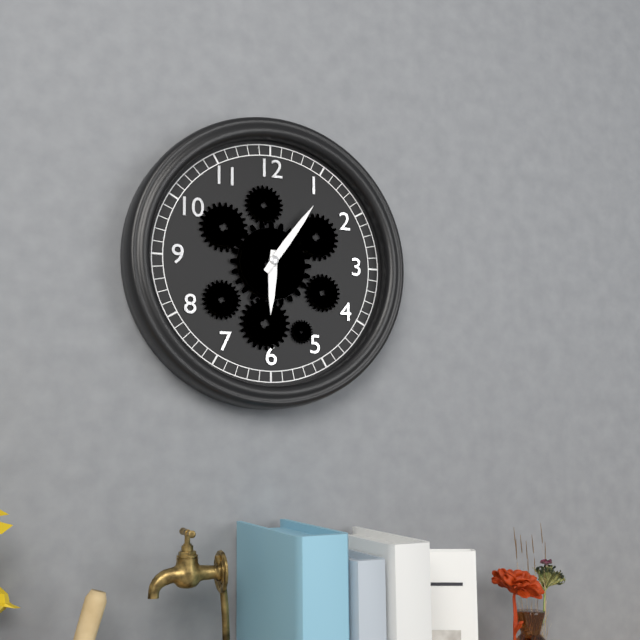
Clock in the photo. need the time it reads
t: 6:06
